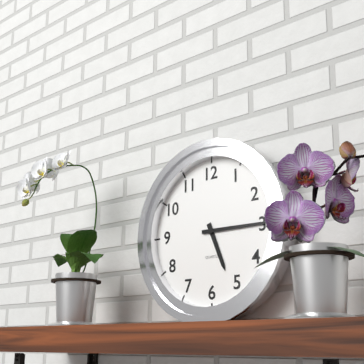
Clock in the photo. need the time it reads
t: 5:15
